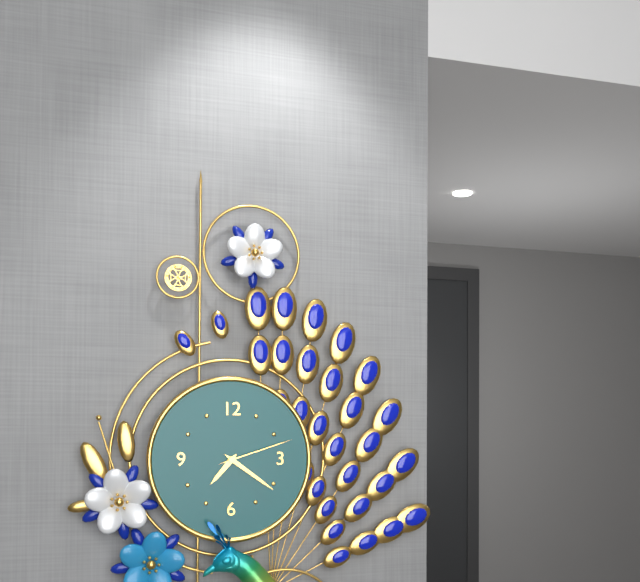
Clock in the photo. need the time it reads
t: 7:21:12
